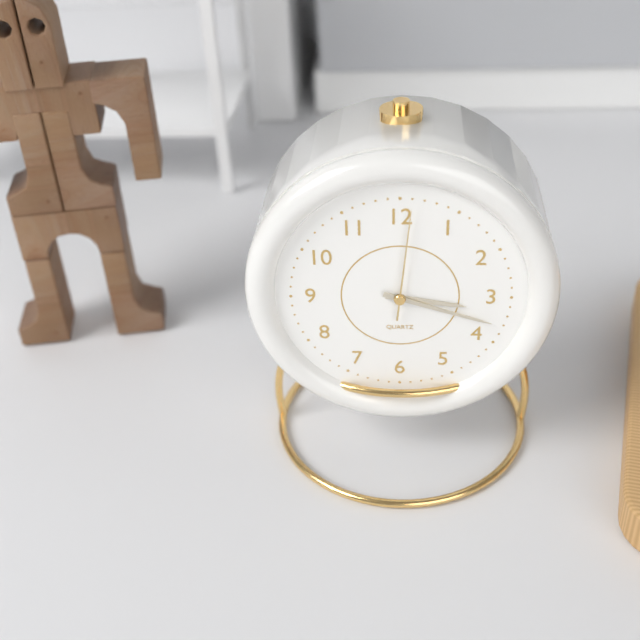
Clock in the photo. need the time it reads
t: 3:18:01
